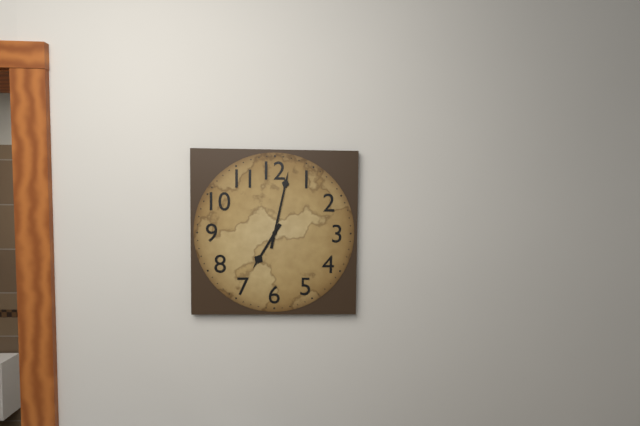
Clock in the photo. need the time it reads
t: 7:02
